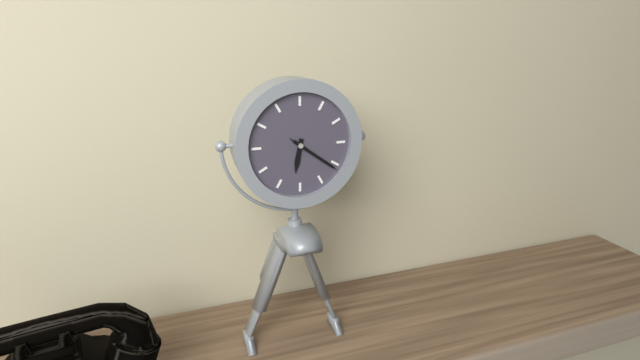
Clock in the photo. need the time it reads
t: 6:21:21
